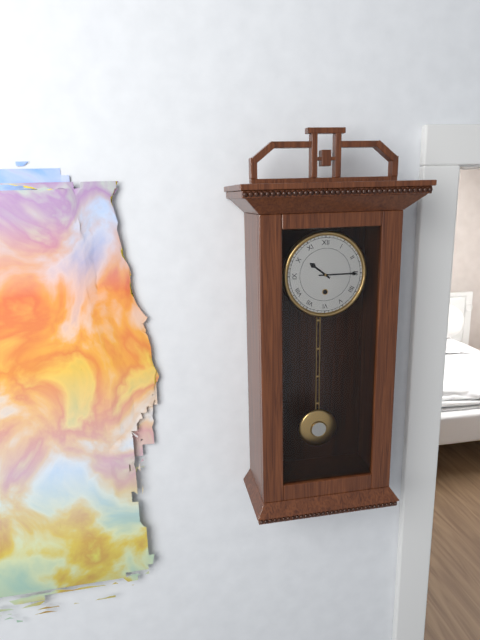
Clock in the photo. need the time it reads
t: 10:15
